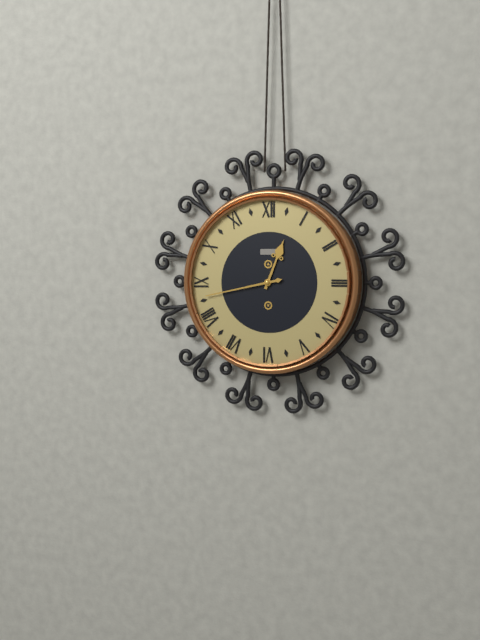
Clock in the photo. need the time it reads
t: 12:43
